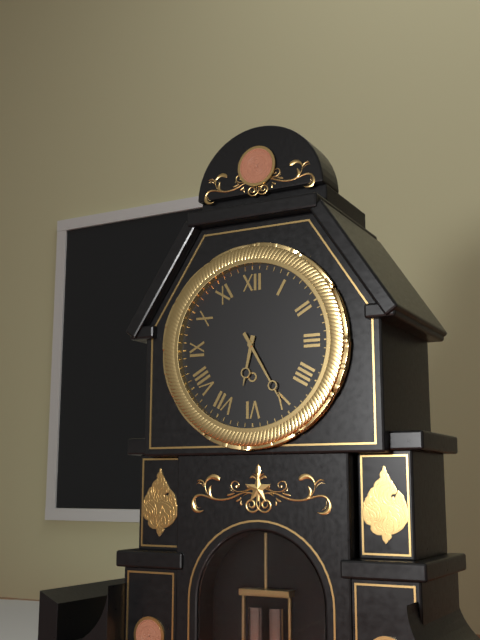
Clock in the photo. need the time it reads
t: 6:25
